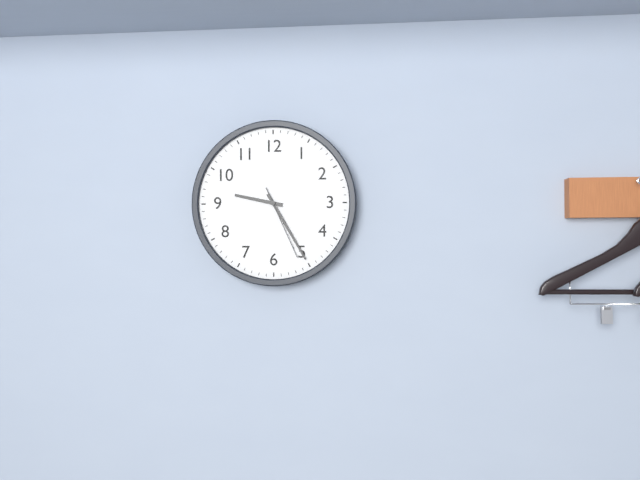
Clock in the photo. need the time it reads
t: 9:25:26
